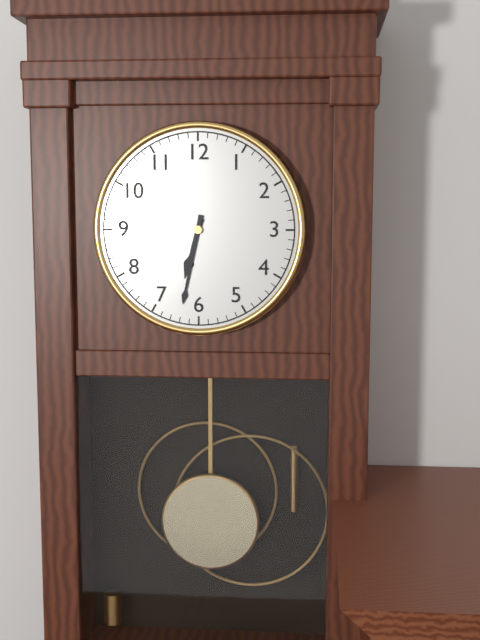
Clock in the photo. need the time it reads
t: 6:32
